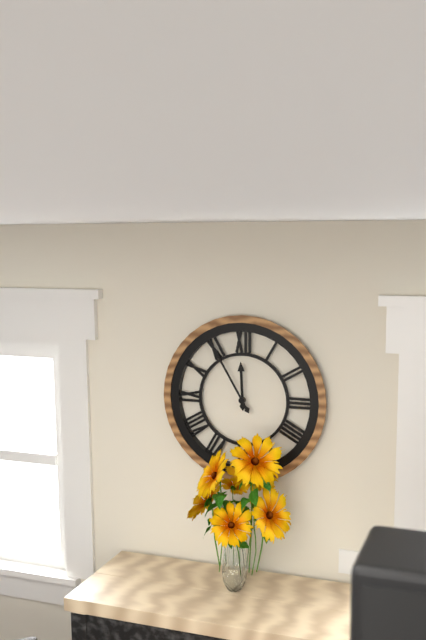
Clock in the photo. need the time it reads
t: 11:55
